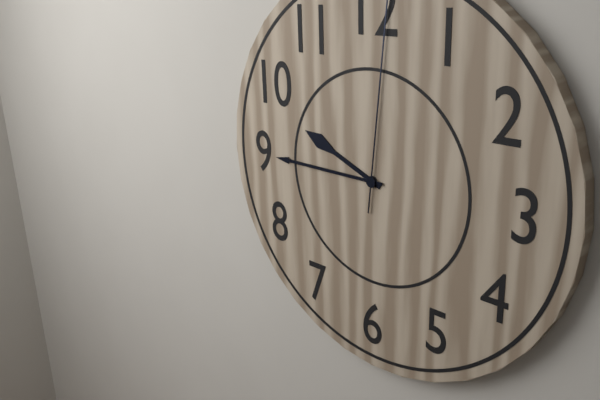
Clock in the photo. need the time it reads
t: 9:45
